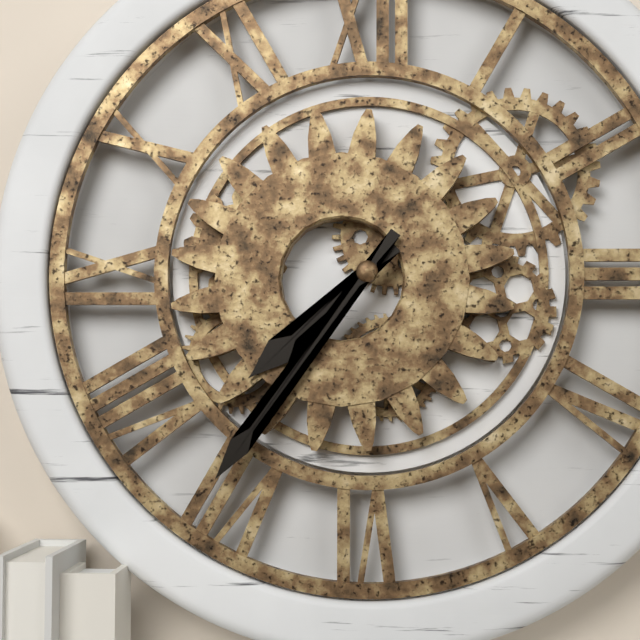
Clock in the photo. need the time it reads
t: 7:36
